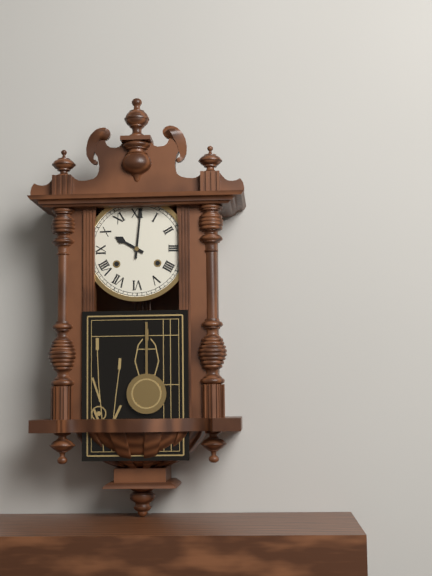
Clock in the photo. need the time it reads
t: 10:01
